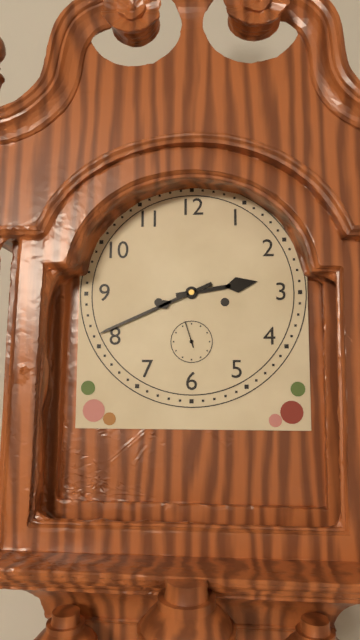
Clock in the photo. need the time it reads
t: 2:41
